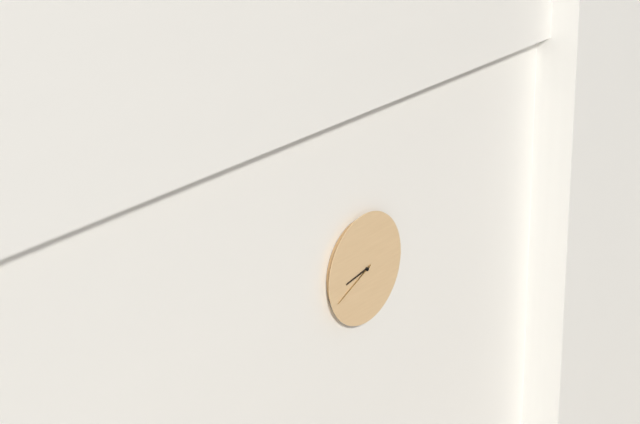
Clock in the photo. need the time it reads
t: 8:41
